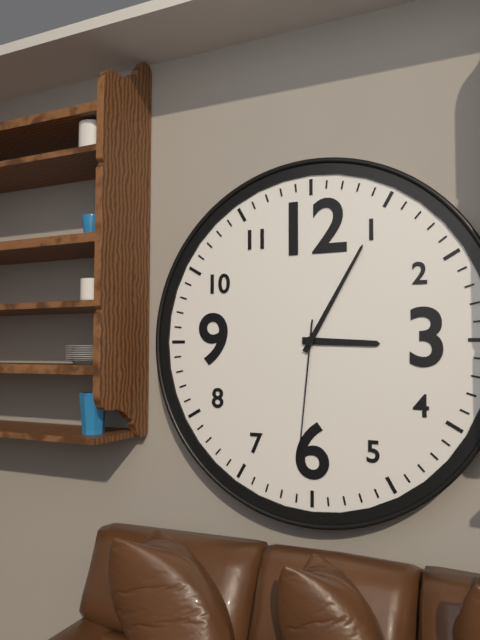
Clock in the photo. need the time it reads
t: 3:05:31
